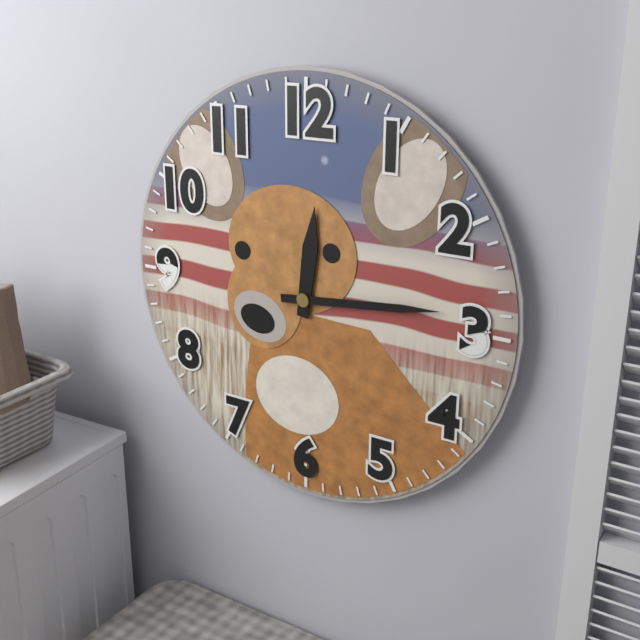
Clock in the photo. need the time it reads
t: 12:14
